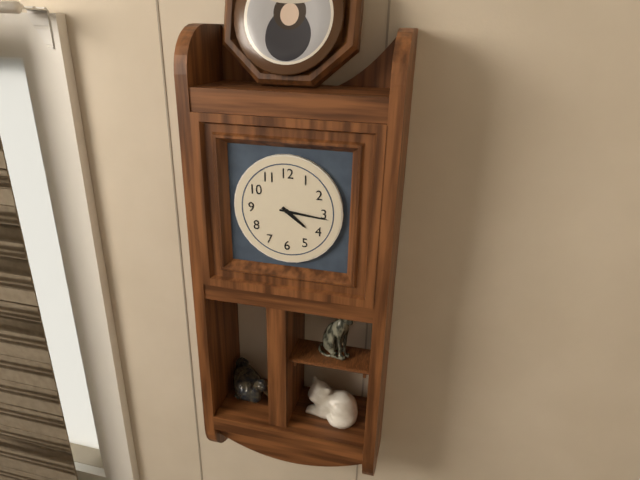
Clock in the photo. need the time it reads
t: 4:16
